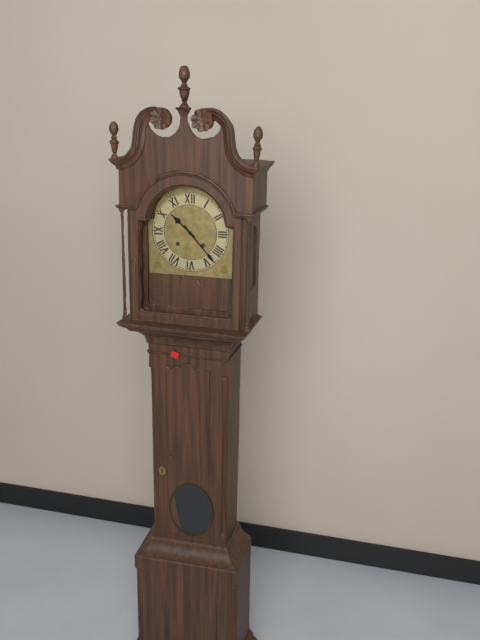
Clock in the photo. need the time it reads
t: 10:23
